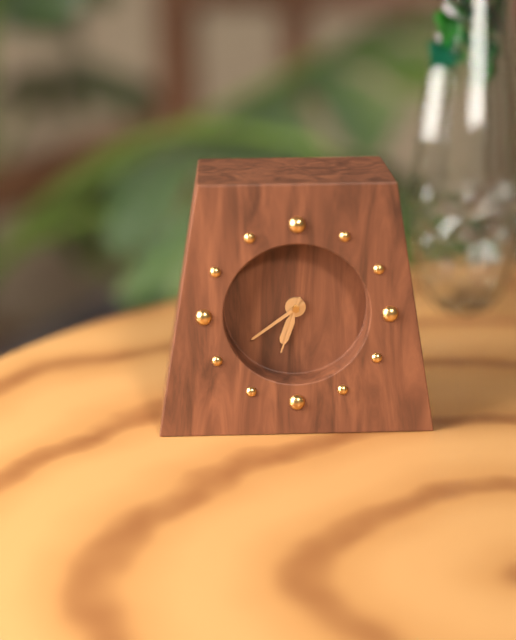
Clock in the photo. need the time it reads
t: 6:39:33
